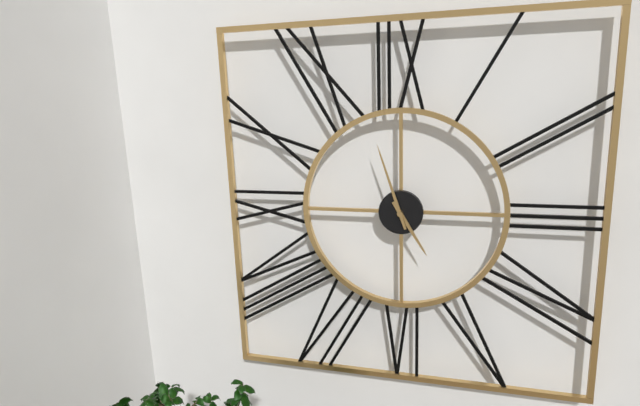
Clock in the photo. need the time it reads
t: 4:57
